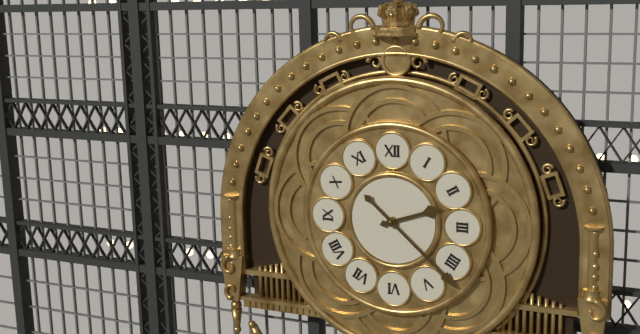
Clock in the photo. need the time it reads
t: 2:22
